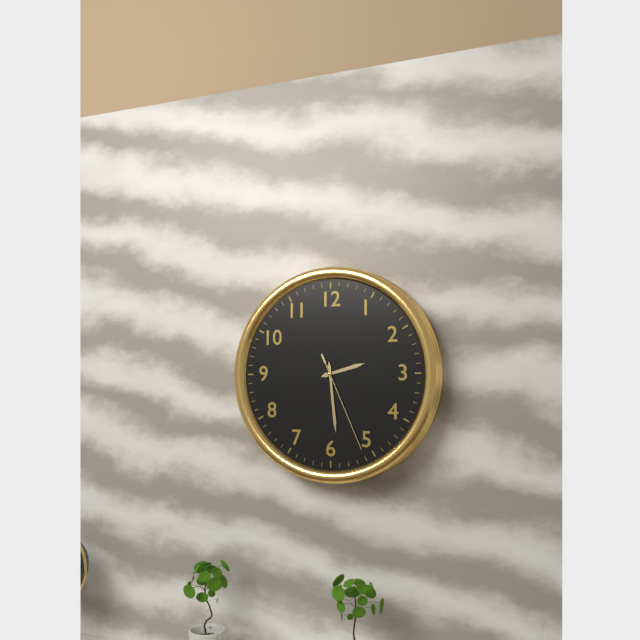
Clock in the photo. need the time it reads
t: 2:29:26
